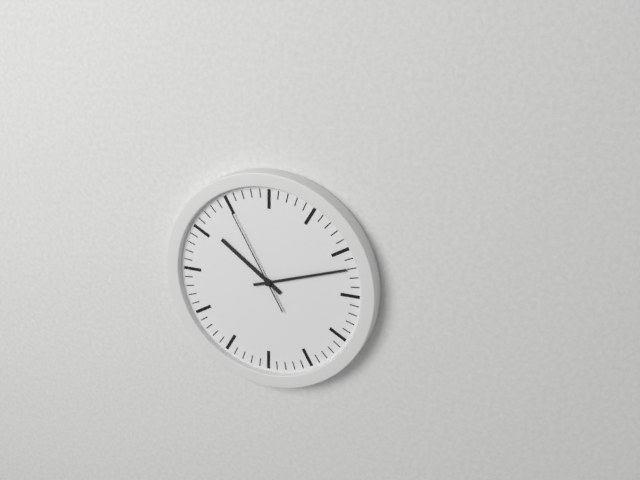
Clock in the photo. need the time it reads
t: 10:12:55
